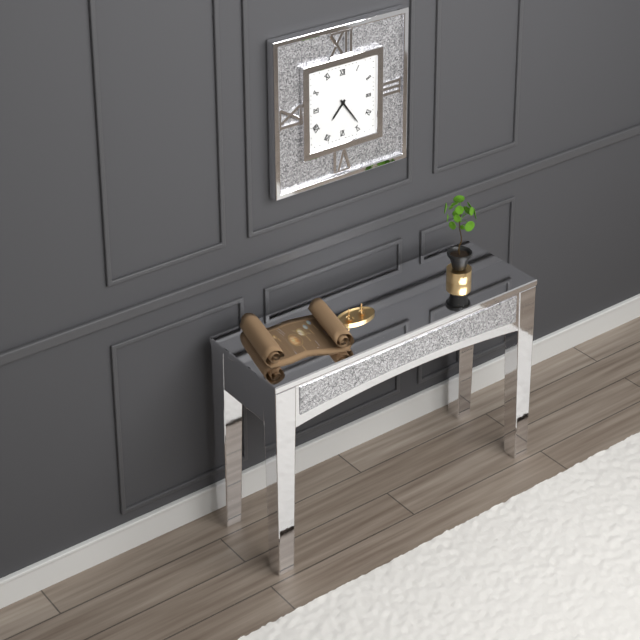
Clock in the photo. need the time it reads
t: 7:24
